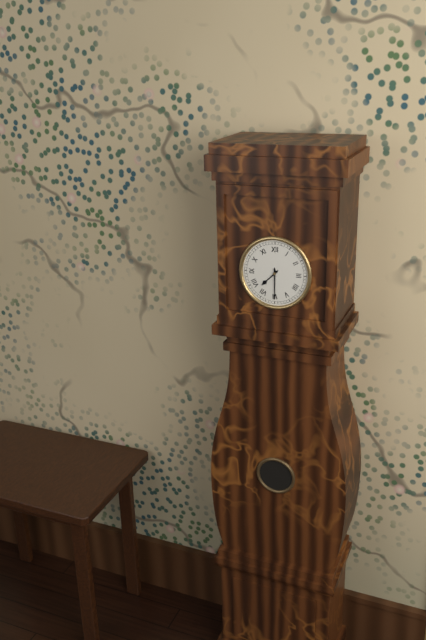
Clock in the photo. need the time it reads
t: 7:30
